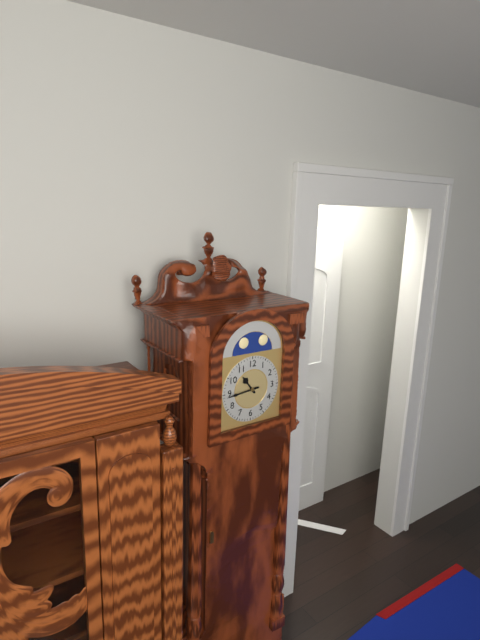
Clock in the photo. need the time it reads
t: 10:44
